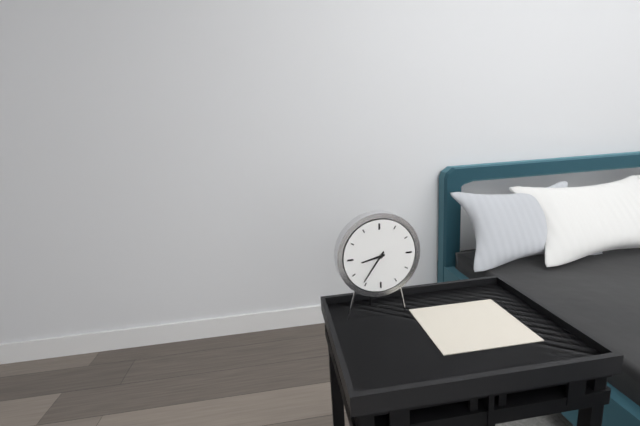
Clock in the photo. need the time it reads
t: 8:36
